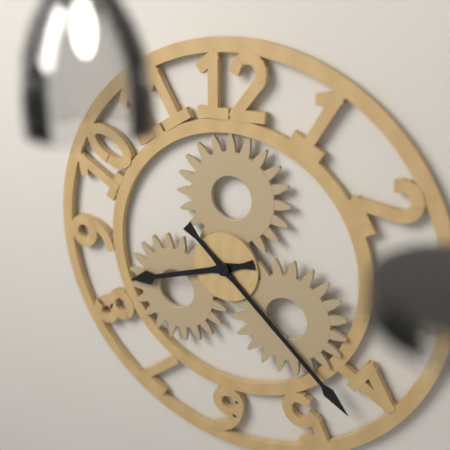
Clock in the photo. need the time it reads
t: 8:22
